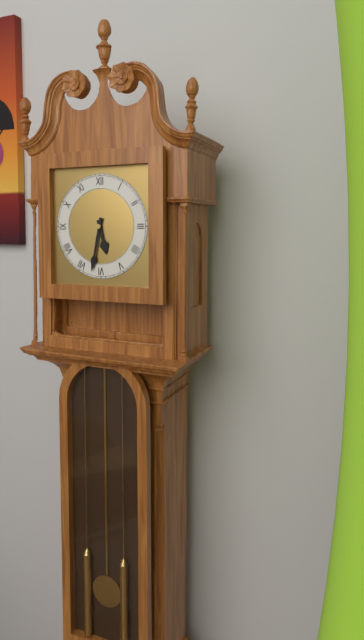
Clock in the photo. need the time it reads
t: 5:32
